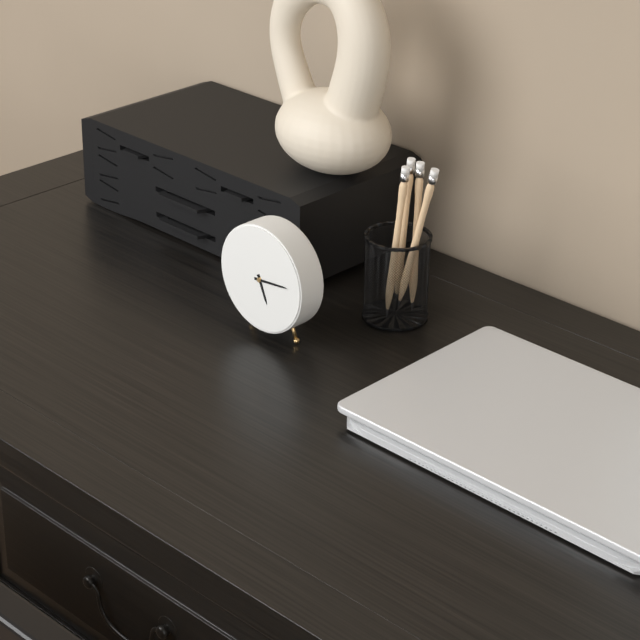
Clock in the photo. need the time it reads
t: 5:14
